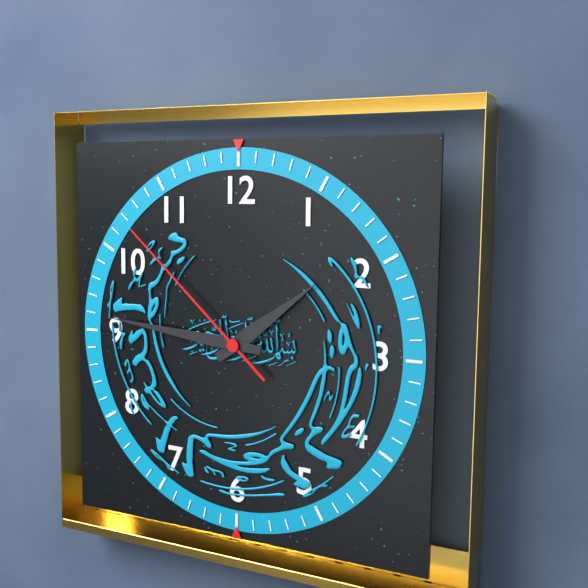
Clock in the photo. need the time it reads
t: 1:46:52
